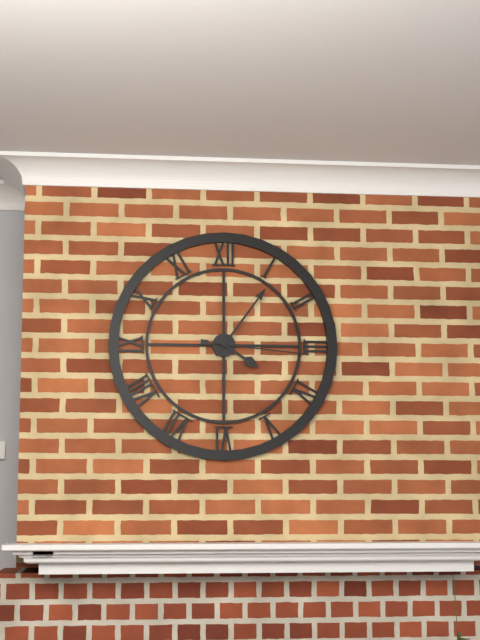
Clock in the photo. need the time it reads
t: 4:06:16
